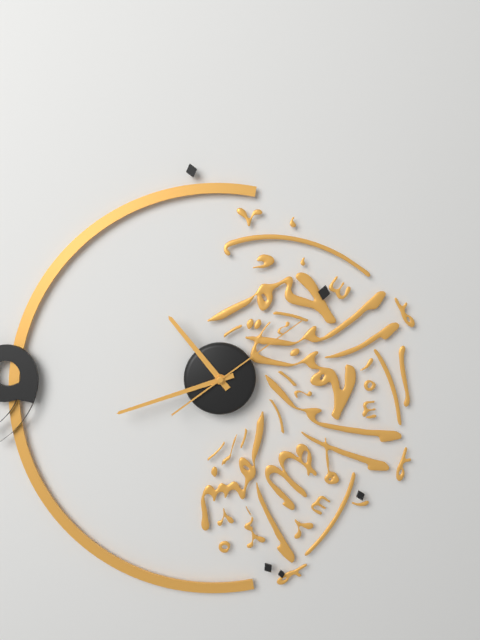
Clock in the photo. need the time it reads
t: 10:42:09
